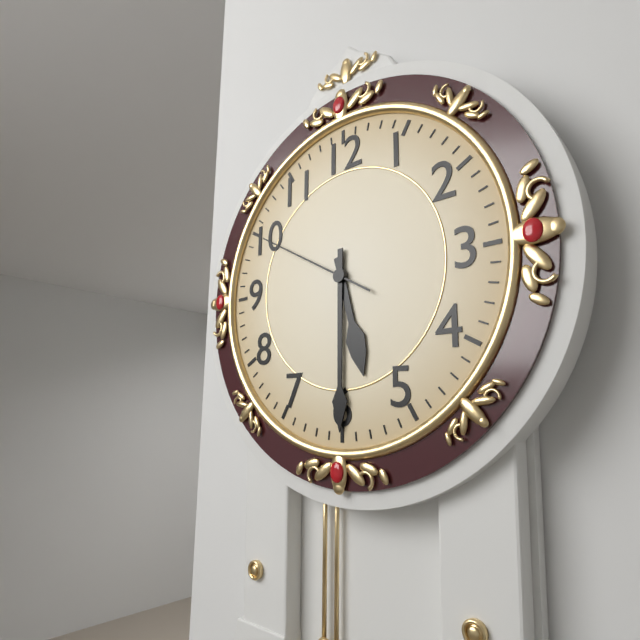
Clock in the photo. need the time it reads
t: 5:30:50
